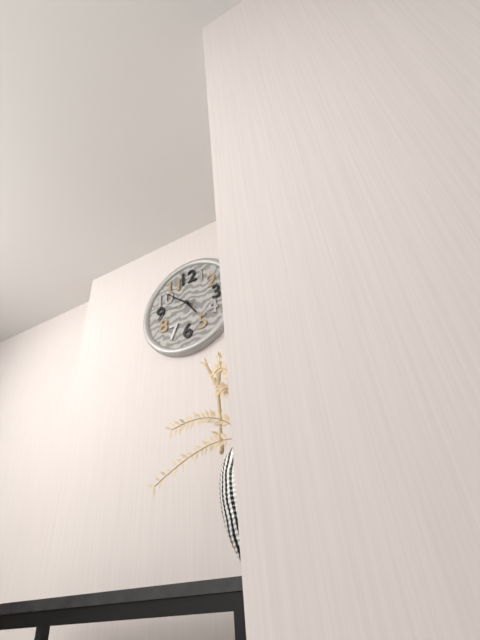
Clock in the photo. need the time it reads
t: 4:52
